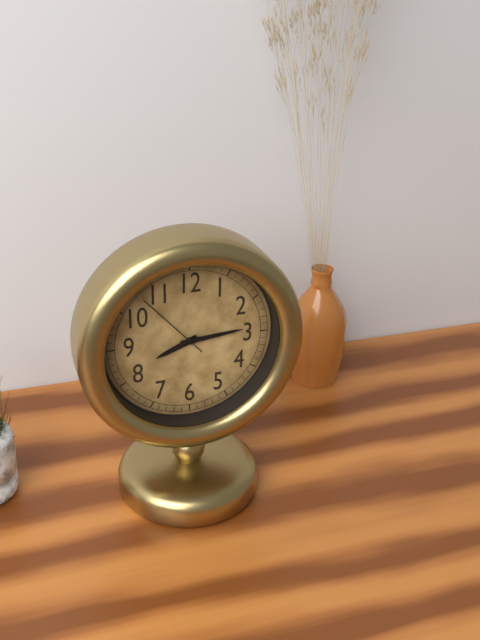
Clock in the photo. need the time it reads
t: 8:14:53
